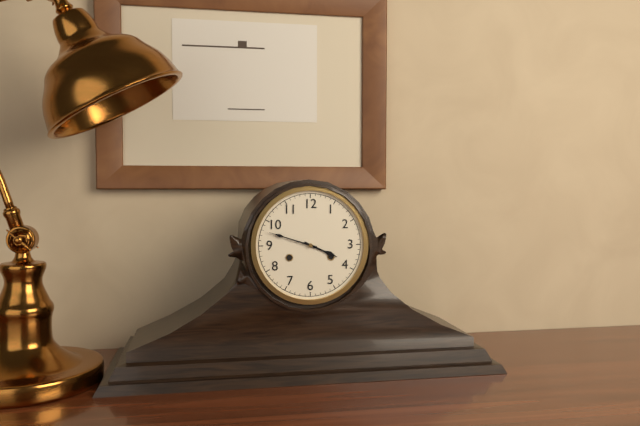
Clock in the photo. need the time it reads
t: 3:48
